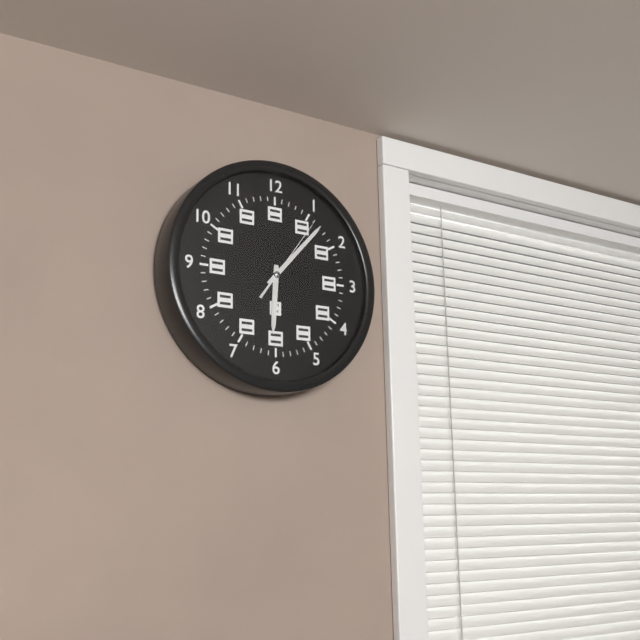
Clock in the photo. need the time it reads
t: 6:07:06
